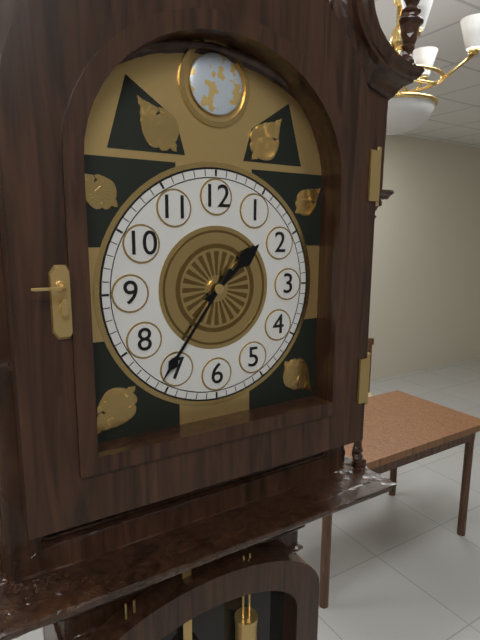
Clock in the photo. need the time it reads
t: 1:36
